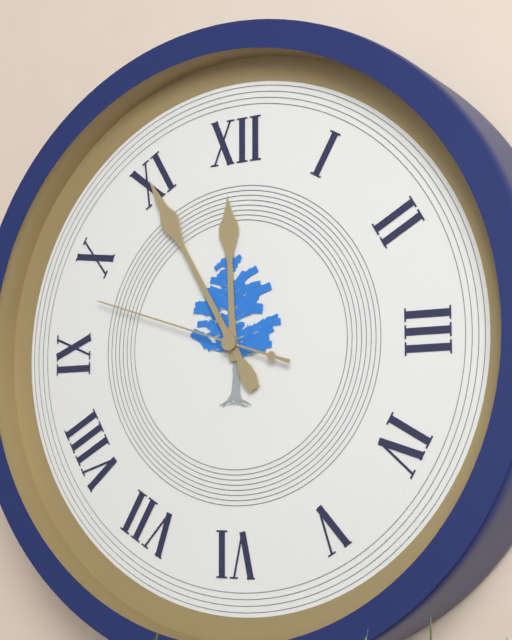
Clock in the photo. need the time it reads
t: 11:55:48
